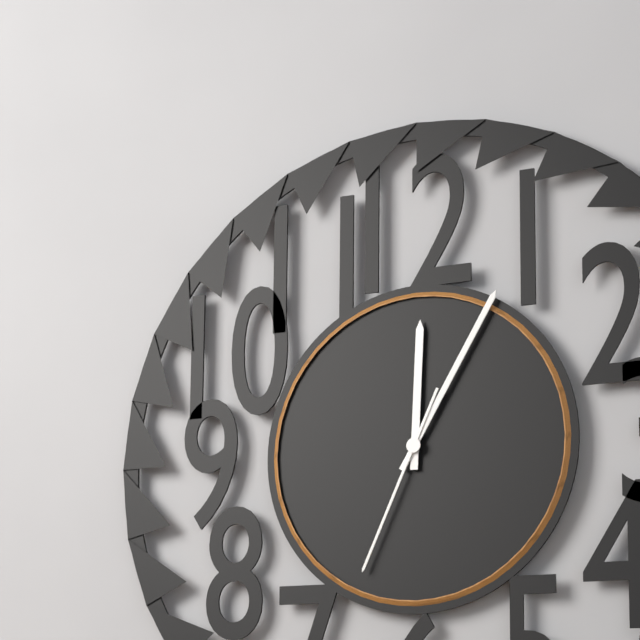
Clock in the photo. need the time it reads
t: 12:05:34
